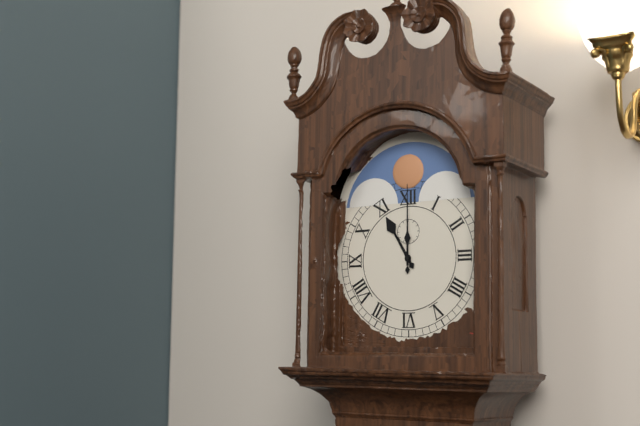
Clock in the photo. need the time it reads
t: 11:00
